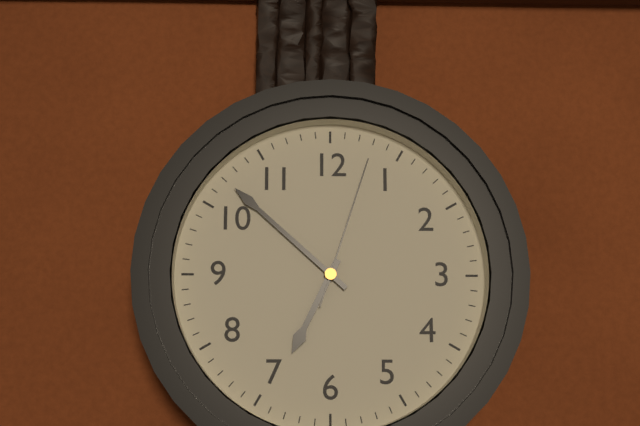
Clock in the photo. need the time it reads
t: 6:52:03
